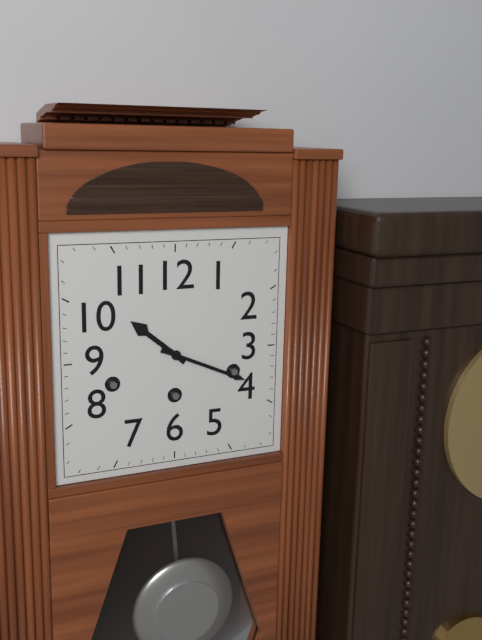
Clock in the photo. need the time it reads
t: 10:19
